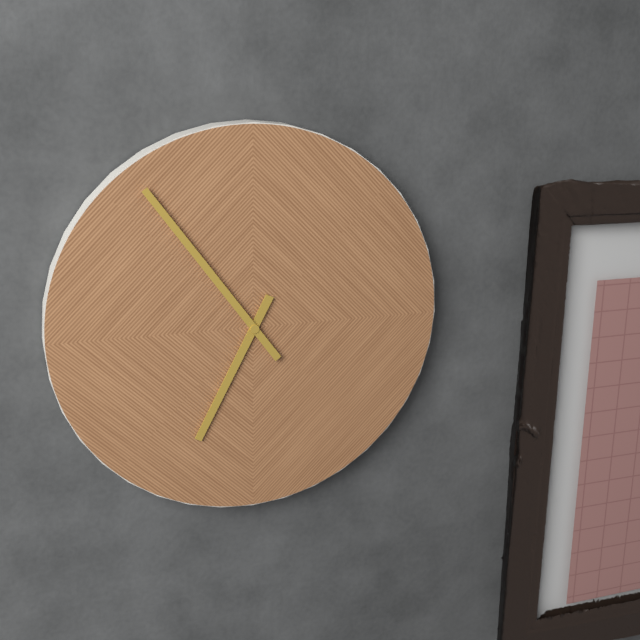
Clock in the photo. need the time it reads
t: 6:54
